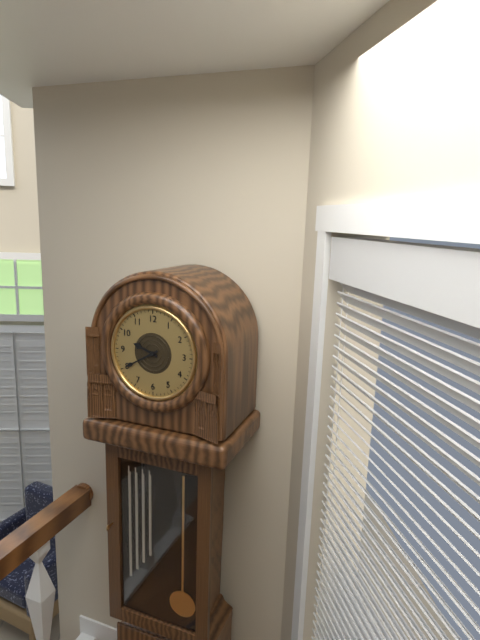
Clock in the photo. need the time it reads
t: 9:40
